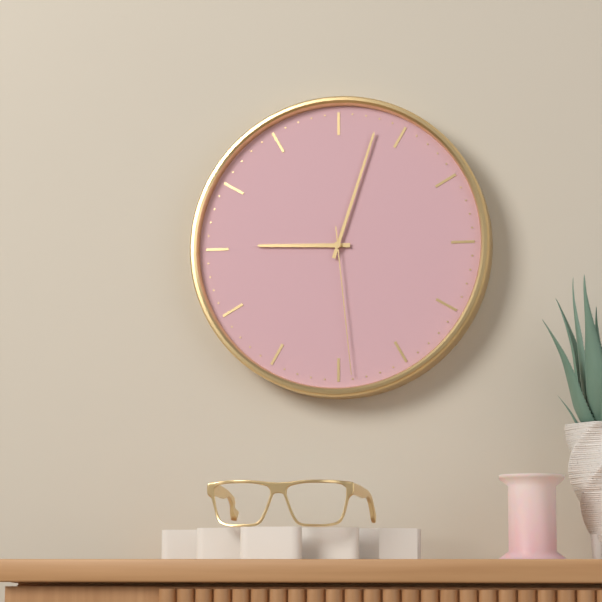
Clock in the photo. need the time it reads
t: 9:03:29
